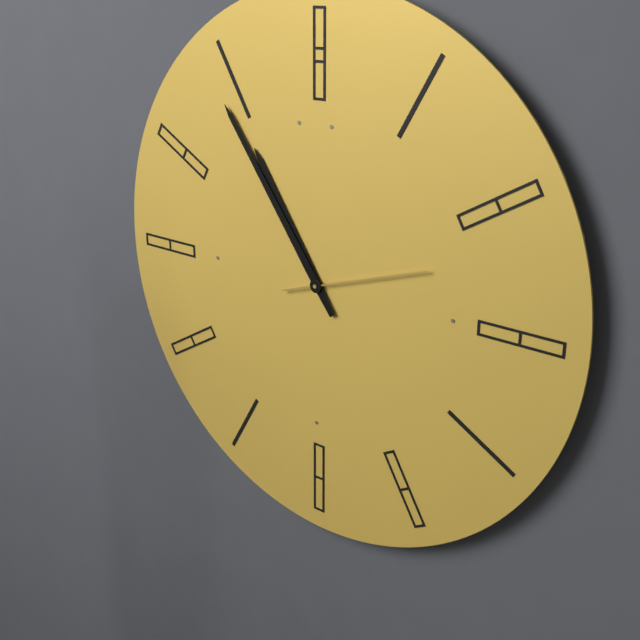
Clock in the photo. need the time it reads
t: 10:54:12
